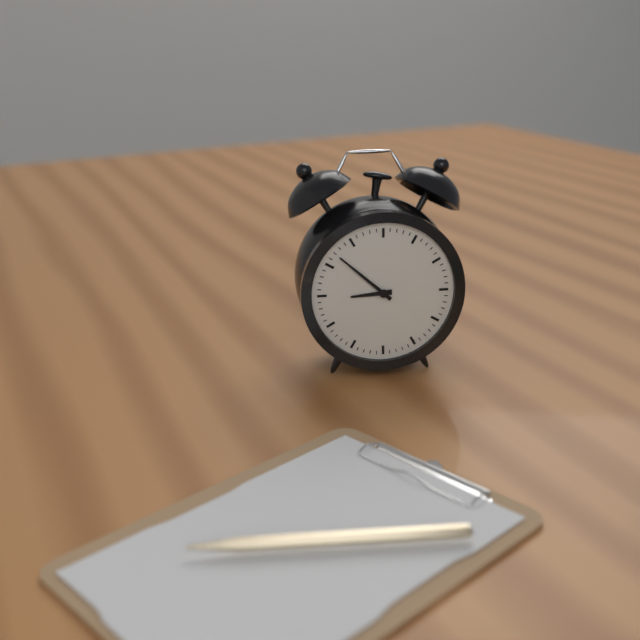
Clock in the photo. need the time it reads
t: 8:52
